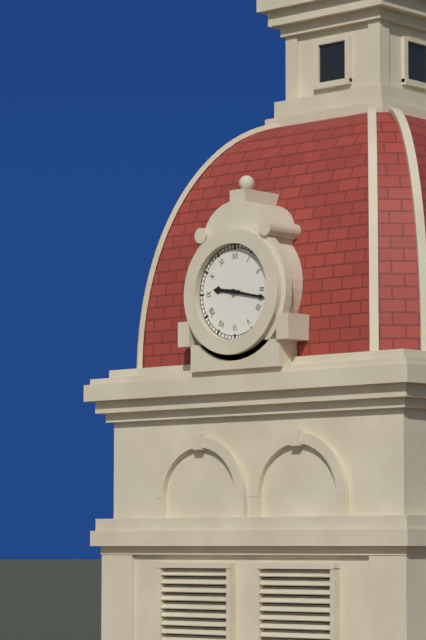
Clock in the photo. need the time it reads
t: 9:17
